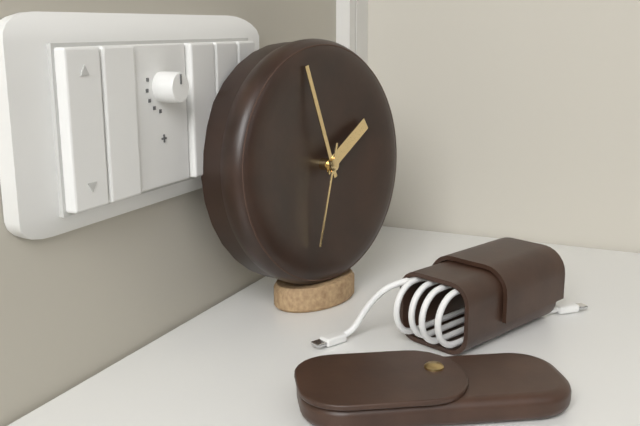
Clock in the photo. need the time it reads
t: 1:57:33
